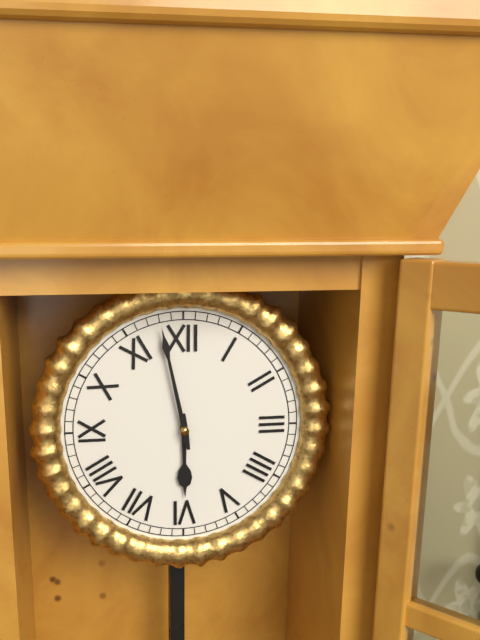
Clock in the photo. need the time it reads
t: 5:58
